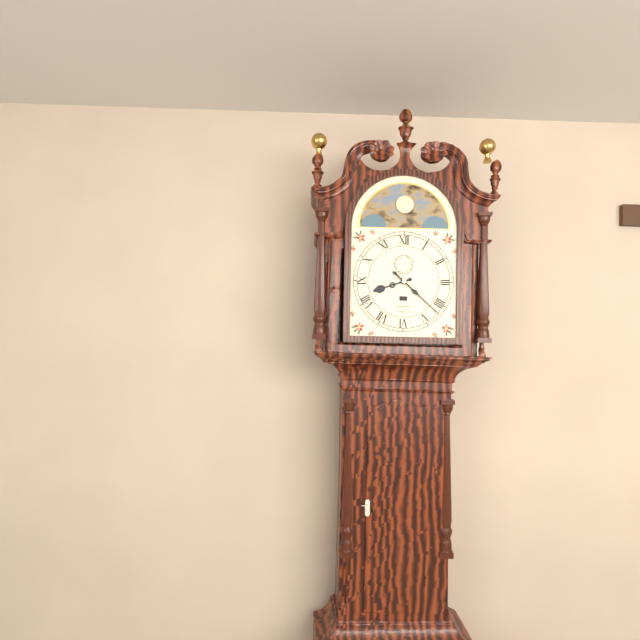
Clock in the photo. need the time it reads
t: 8:22
